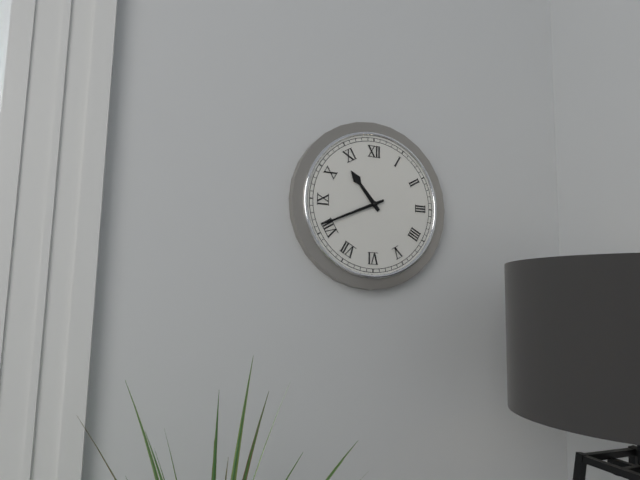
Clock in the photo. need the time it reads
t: 10:41
